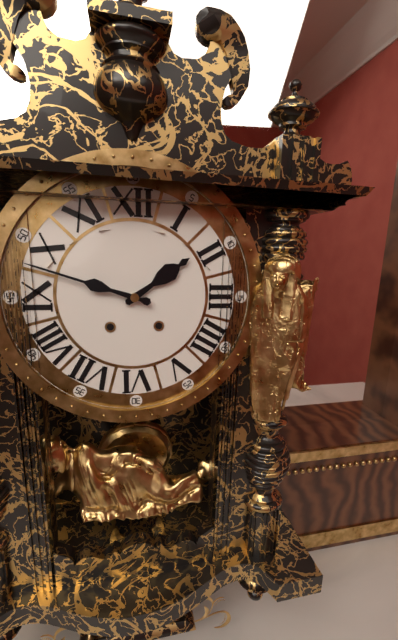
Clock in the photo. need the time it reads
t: 1:48
